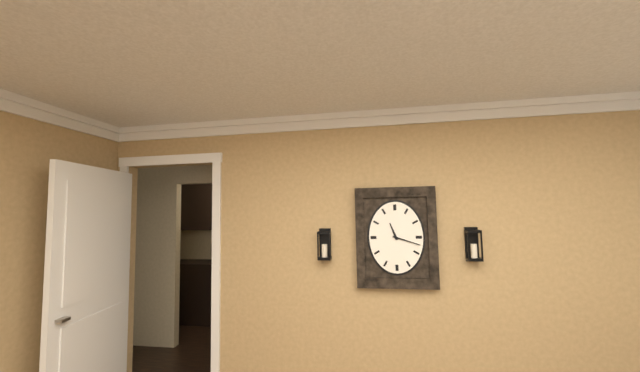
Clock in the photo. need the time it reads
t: 11:18
